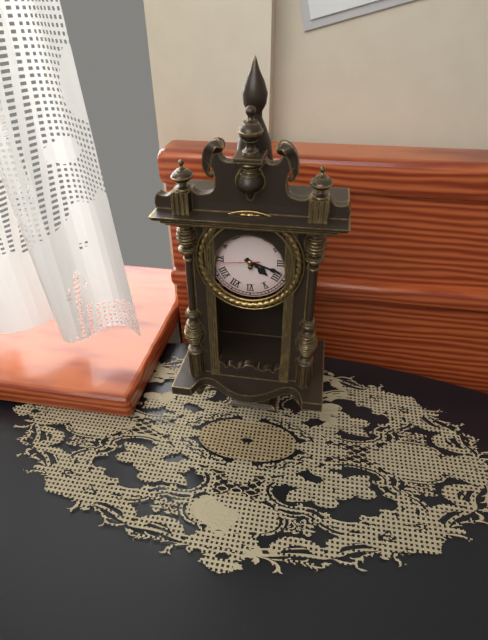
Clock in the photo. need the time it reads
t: 4:18
